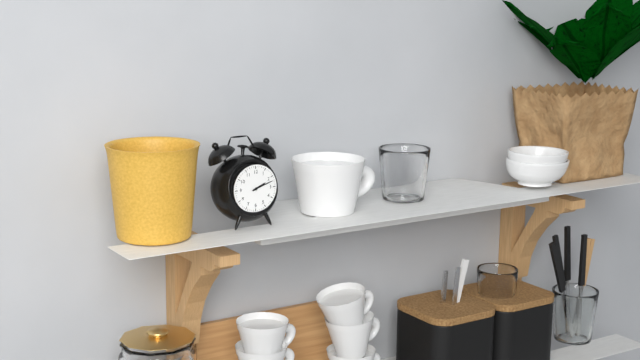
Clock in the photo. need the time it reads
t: 2:12
